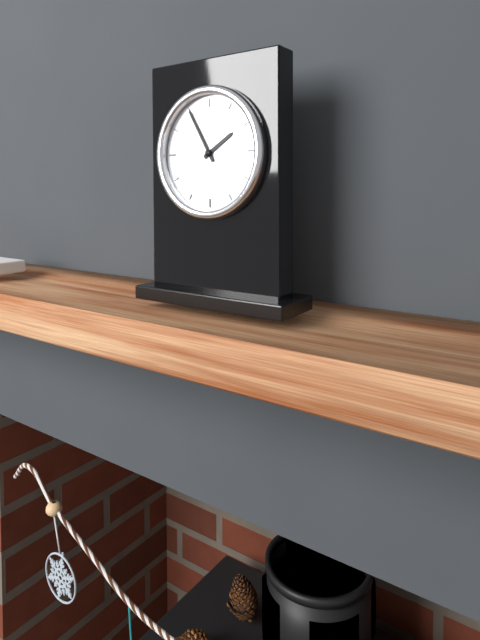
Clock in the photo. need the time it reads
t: 1:55
